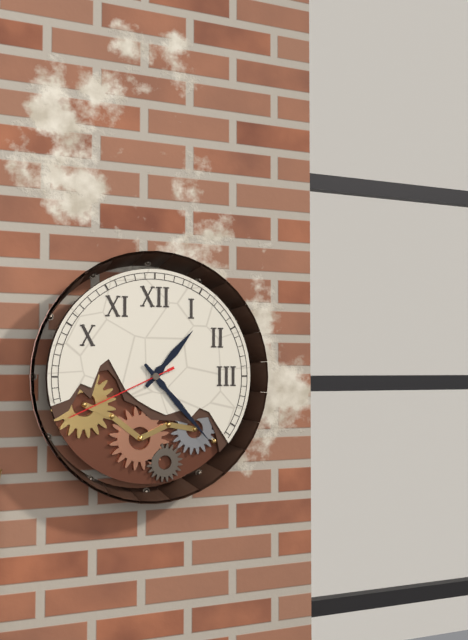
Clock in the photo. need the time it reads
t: 1:23:41
